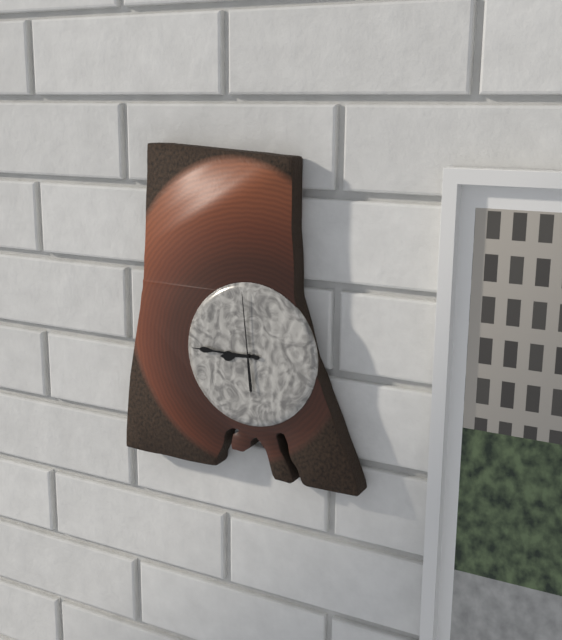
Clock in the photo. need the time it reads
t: 8:45:59
